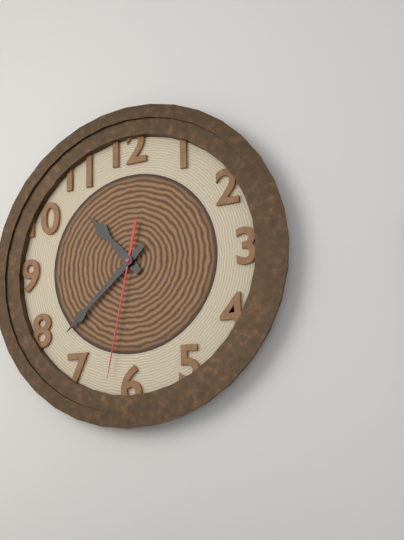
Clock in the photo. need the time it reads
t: 10:38:32
